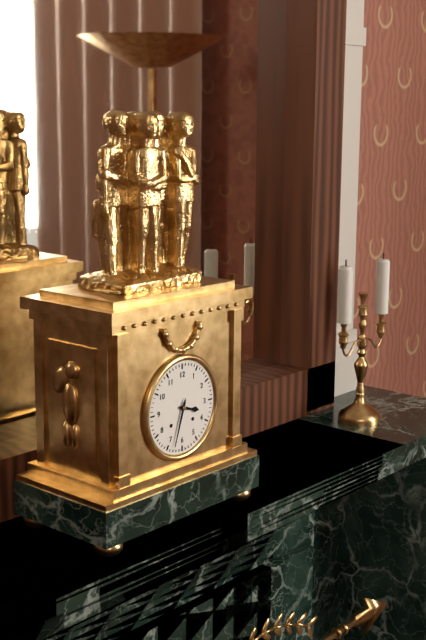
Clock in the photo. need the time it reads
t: 3:33
